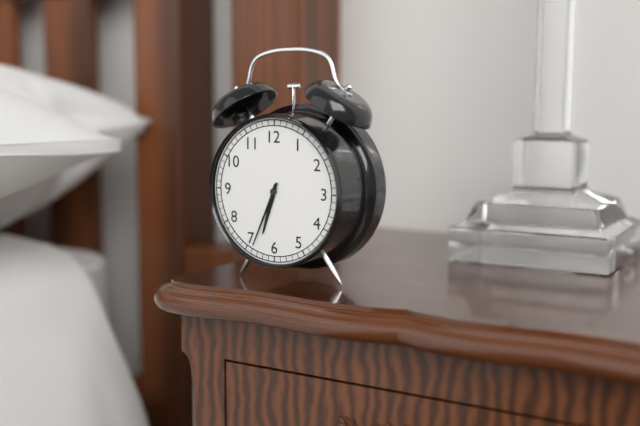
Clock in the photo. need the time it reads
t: 6:34
